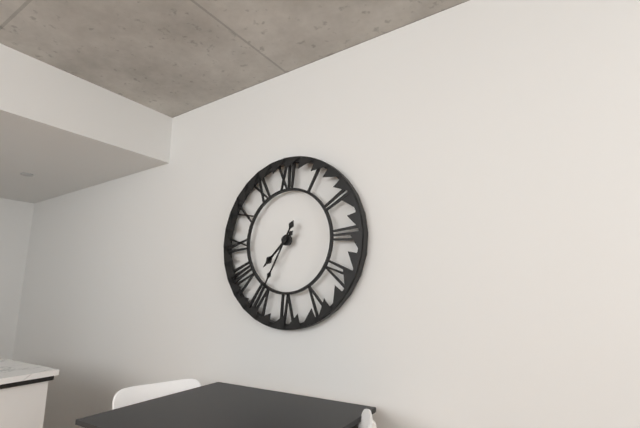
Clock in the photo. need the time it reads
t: 7:35
